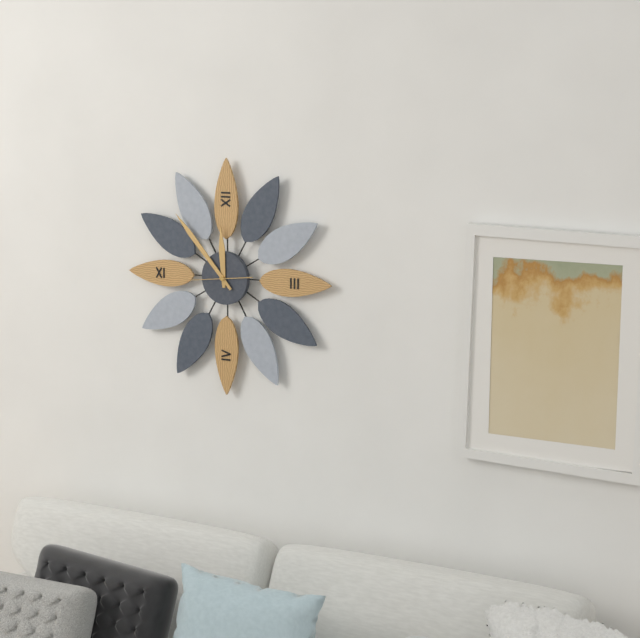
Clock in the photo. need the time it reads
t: 11:53:44
